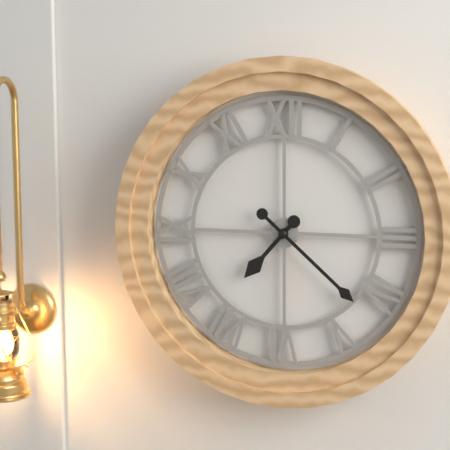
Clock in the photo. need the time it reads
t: 7:22
